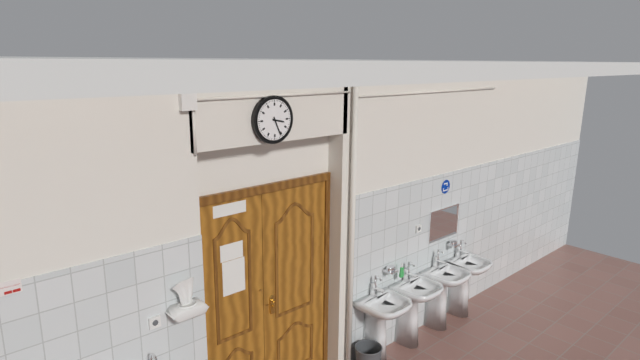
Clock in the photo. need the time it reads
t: 3:26
